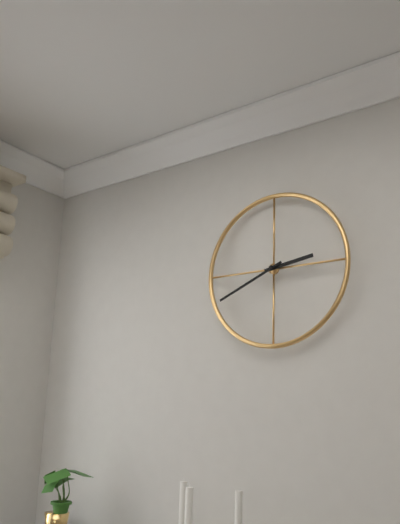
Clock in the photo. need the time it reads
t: 2:41
